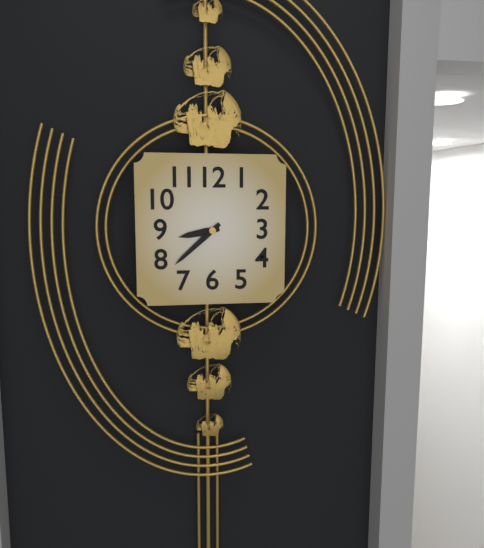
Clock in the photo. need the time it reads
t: 8:38
